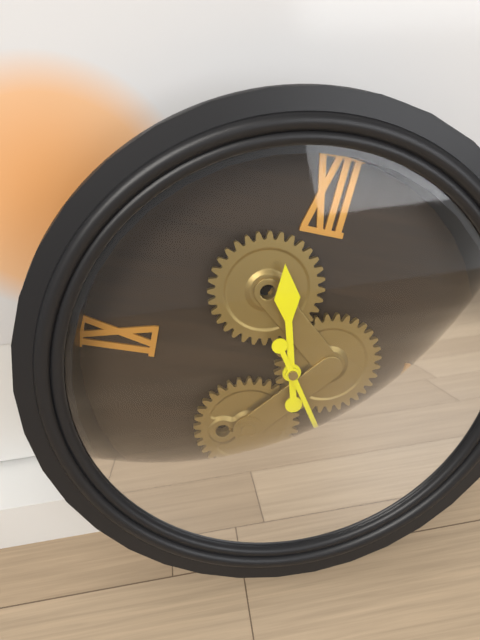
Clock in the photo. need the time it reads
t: 11:24
